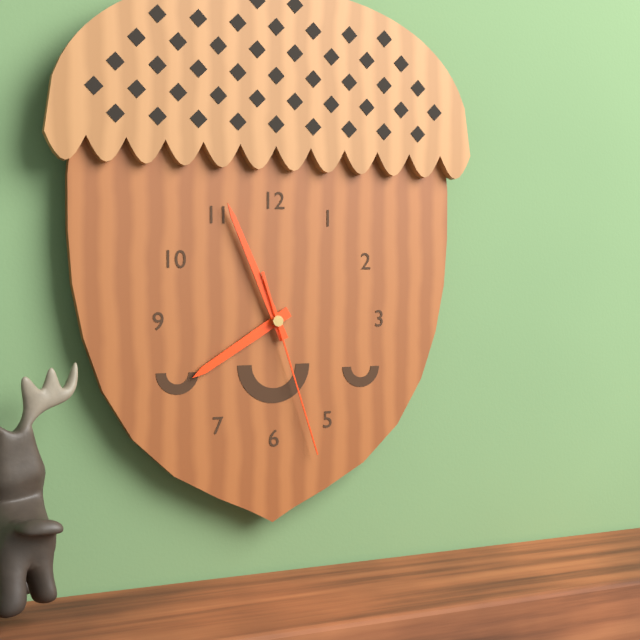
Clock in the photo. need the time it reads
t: 7:56:27
